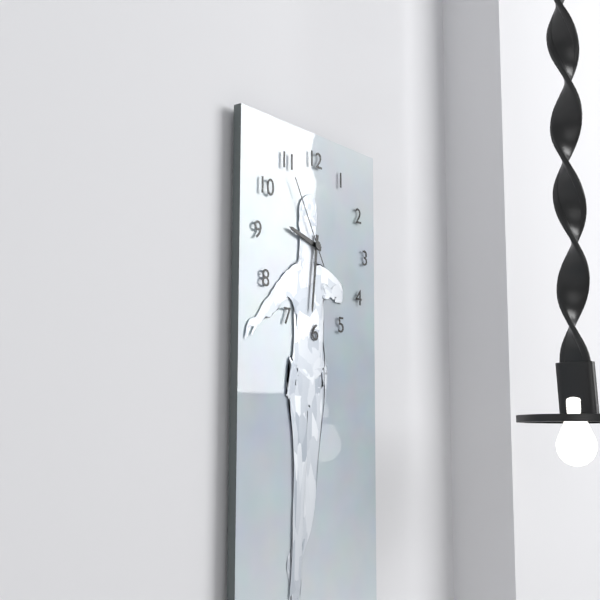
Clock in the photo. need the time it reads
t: 9:31:55
